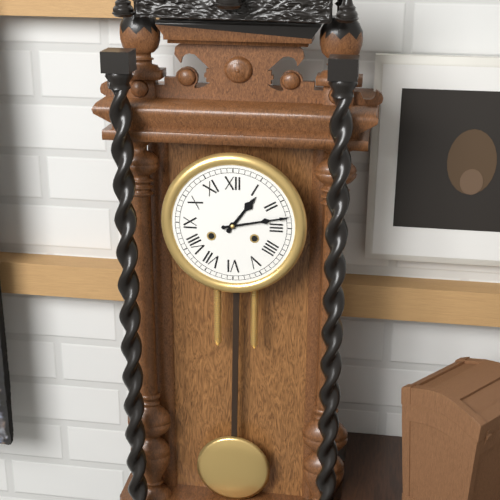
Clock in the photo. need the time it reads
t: 1:13
